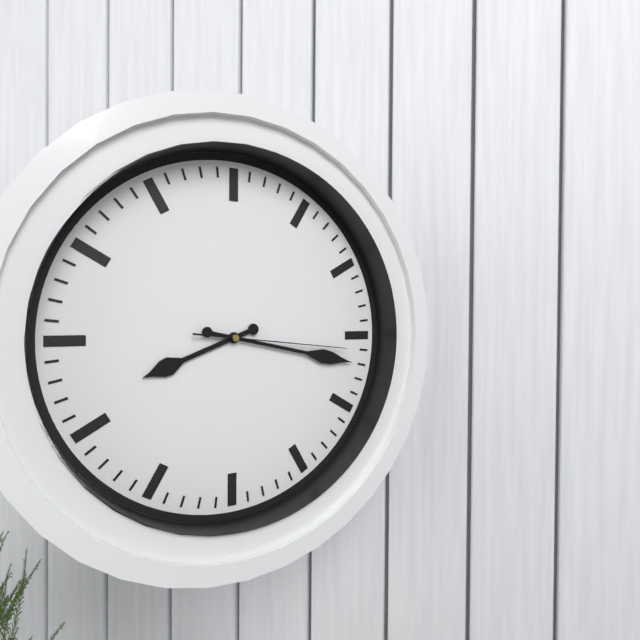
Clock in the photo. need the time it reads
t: 8:17:16
